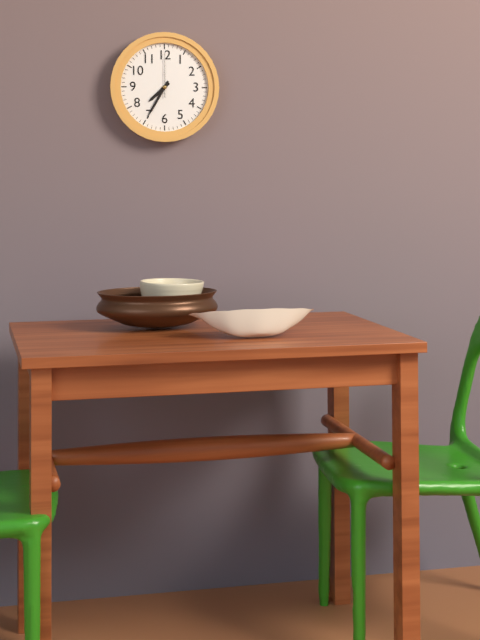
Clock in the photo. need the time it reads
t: 7:35
